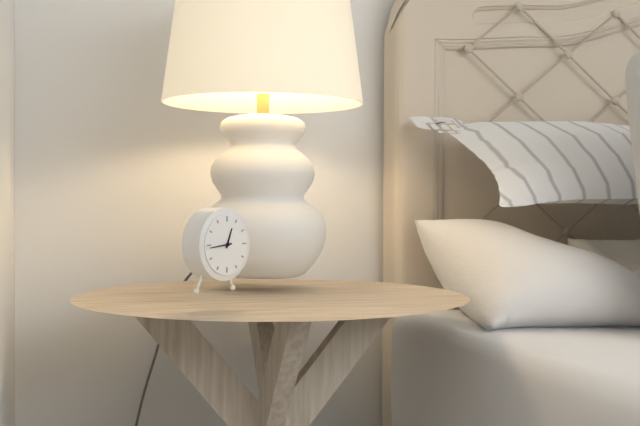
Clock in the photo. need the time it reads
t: 12:44
